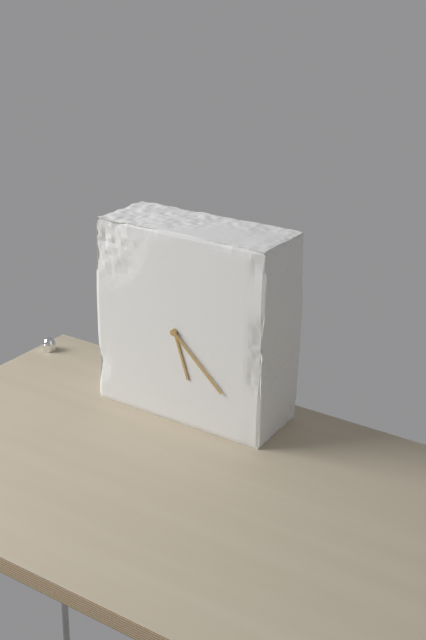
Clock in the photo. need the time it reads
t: 5:22
